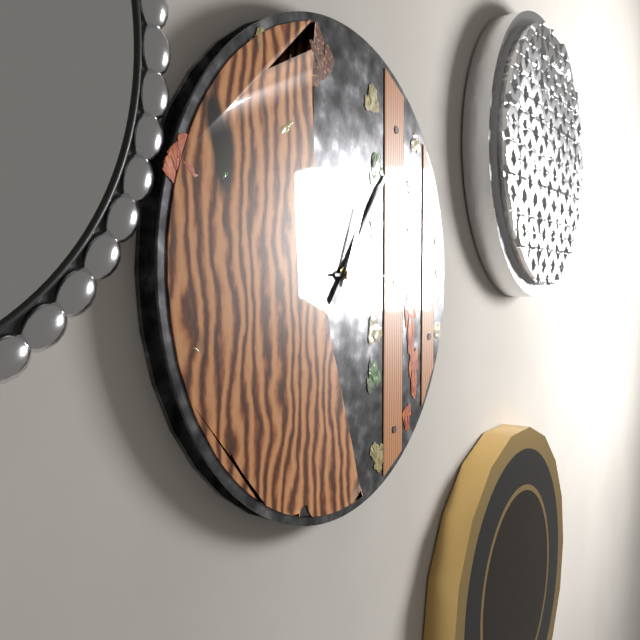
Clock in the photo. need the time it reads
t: 1:15:04
